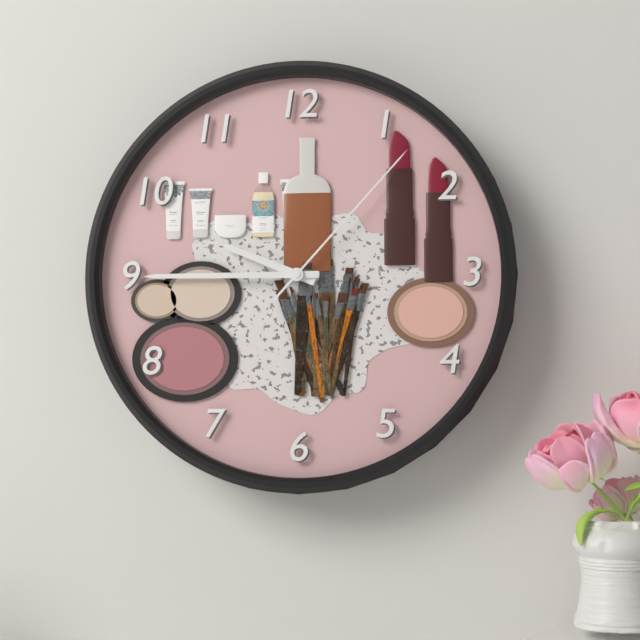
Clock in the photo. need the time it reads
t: 9:45:07
